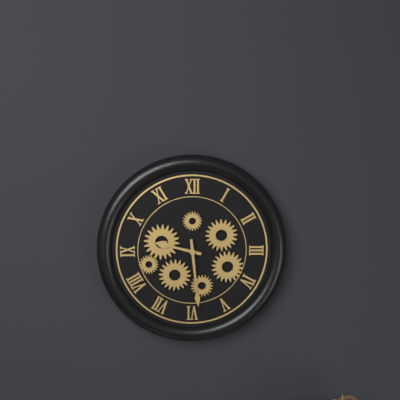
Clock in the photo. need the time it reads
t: 9:29
